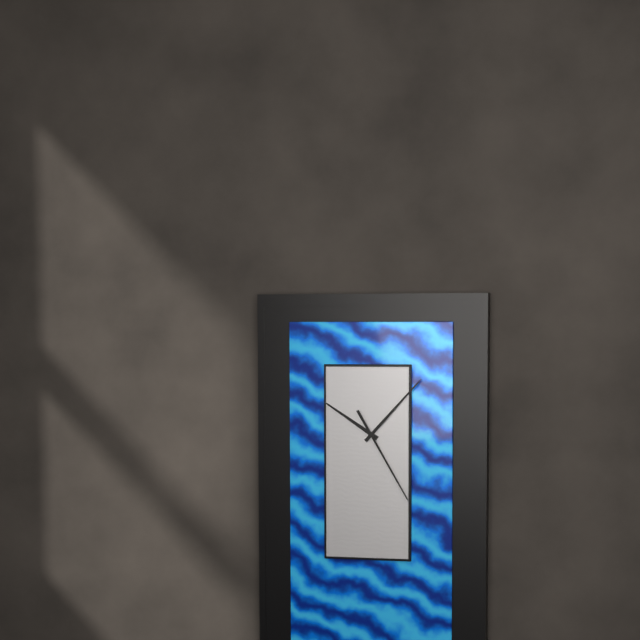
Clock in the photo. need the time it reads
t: 10:07:25
